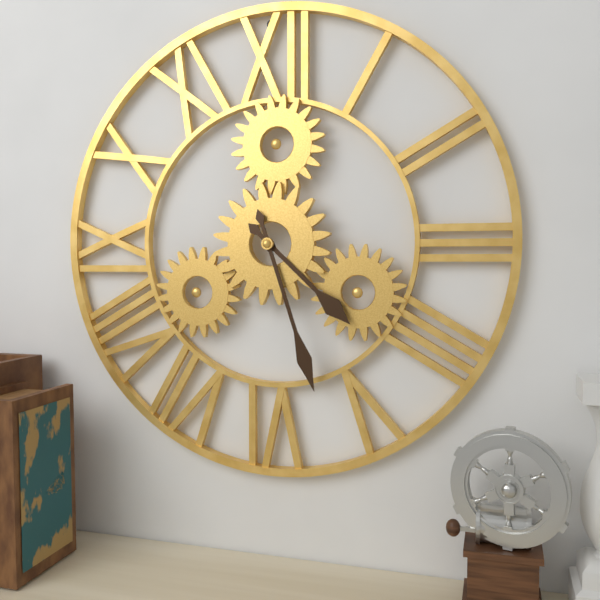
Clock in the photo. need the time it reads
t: 4:27
